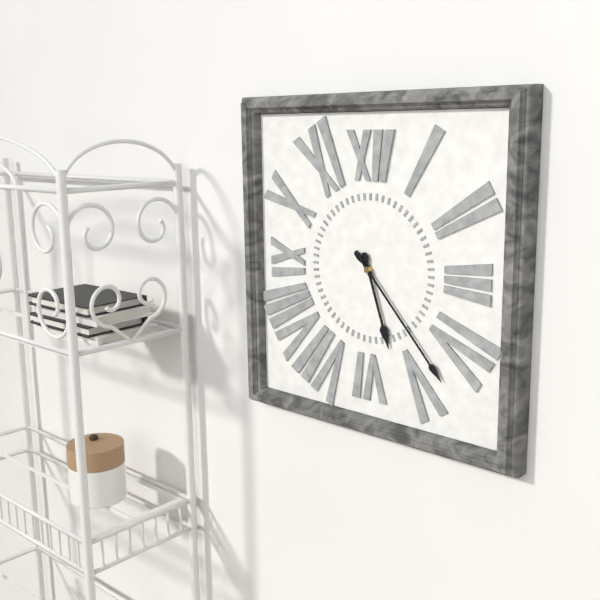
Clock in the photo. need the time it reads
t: 5:23
